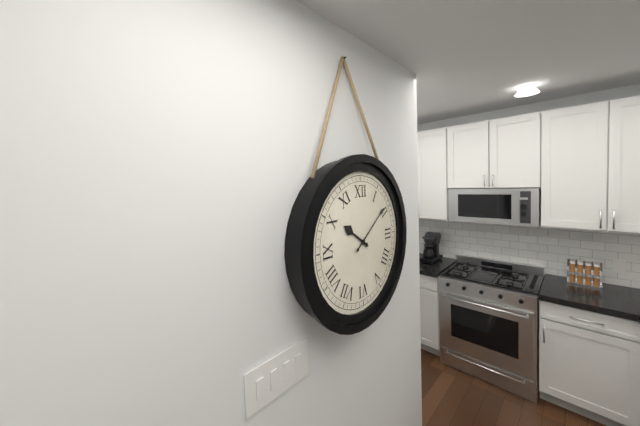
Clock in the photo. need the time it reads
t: 10:09
